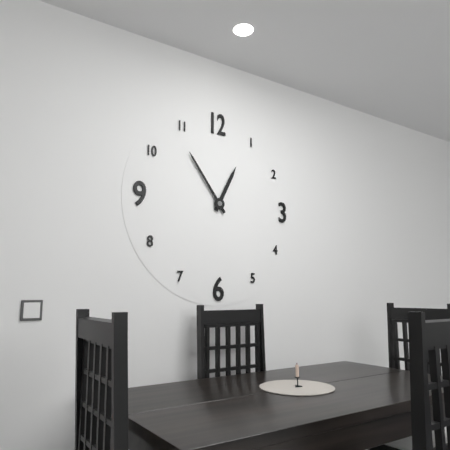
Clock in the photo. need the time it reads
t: 12:54
